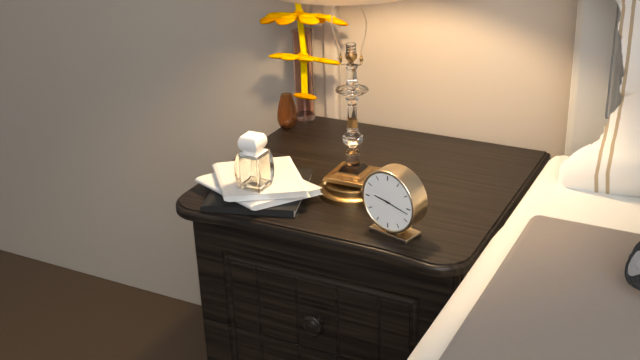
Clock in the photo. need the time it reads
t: 9:17
